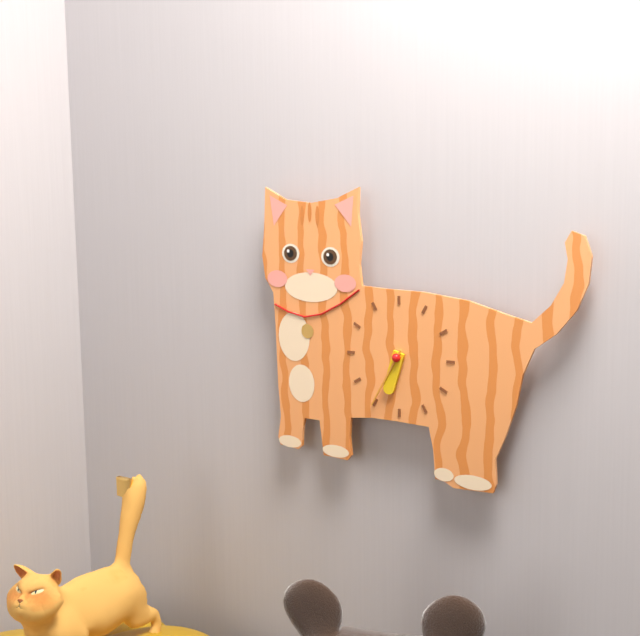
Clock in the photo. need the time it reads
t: 6:35
